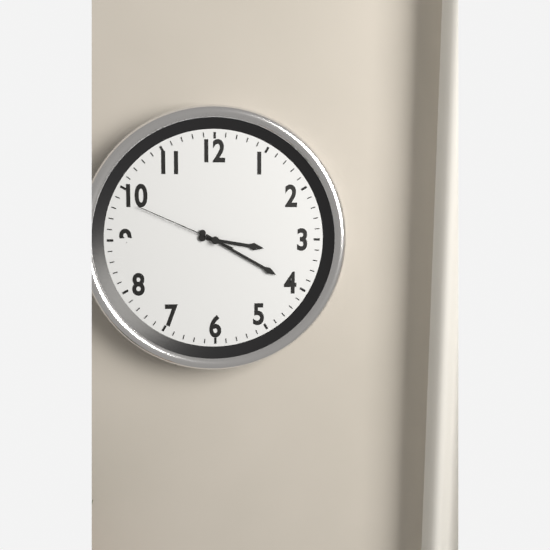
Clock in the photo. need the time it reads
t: 3:20:49
